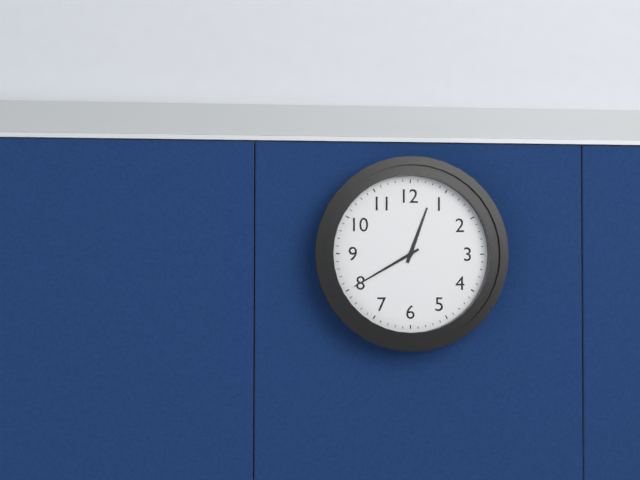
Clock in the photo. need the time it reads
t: 12:40
